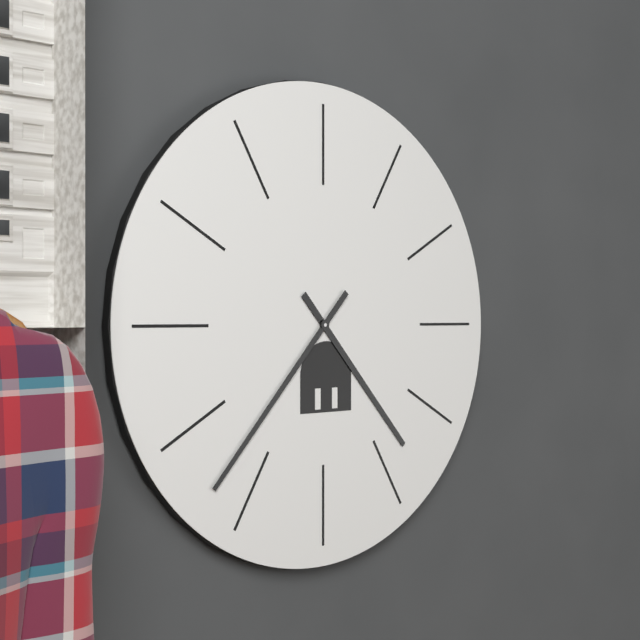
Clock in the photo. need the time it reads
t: 4:37
